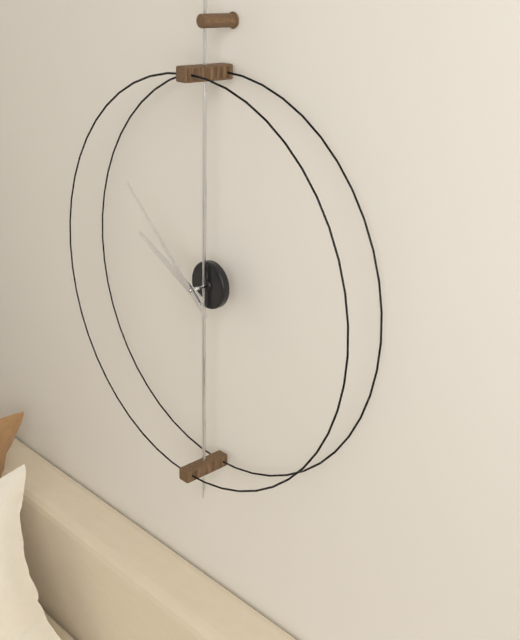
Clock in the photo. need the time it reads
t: 9:52
